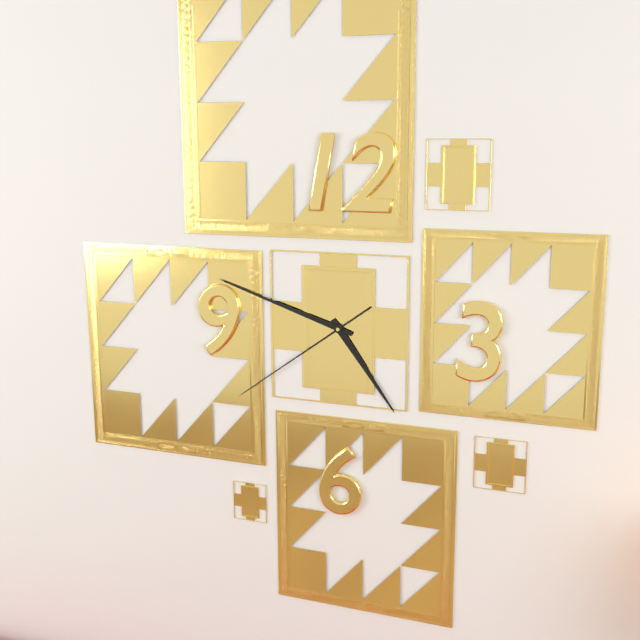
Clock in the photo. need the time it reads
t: 4:48:39
